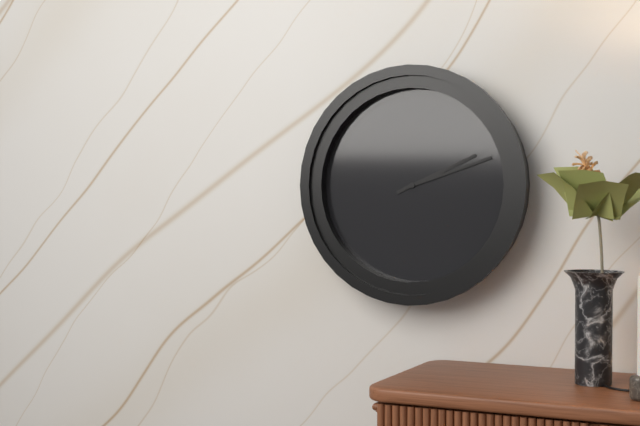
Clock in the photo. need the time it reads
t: 2:12
